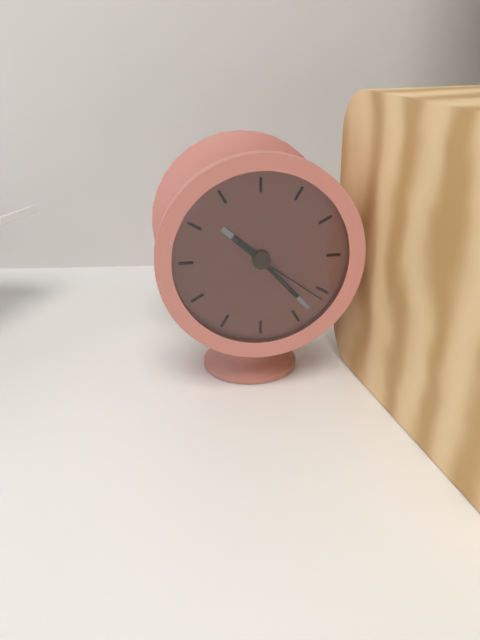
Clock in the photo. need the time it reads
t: 10:23:21
